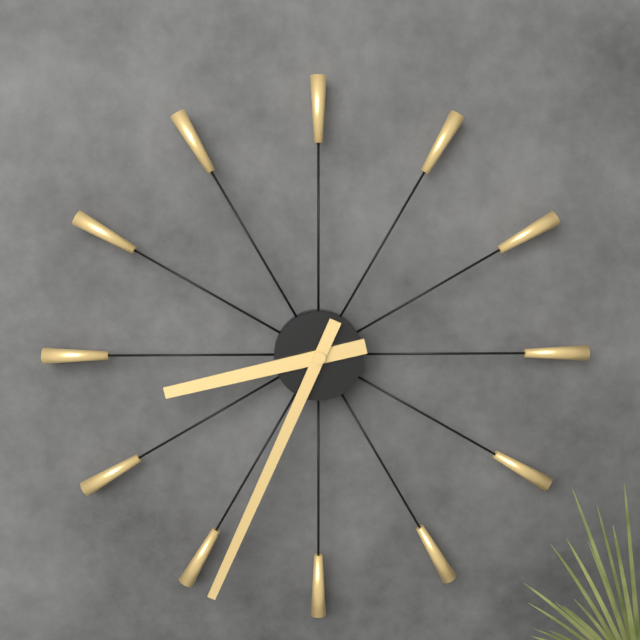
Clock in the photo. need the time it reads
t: 8:34
